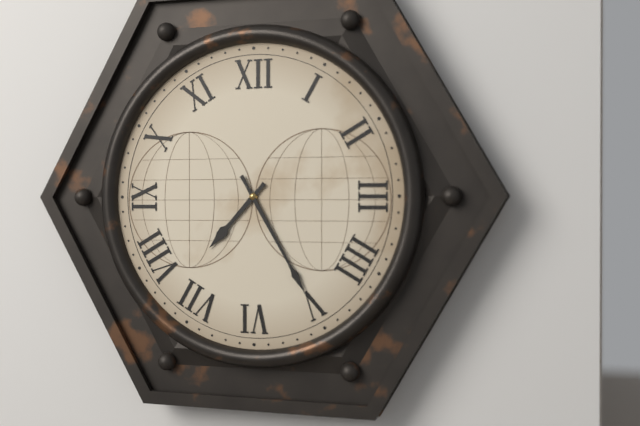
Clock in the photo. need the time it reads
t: 7:25
